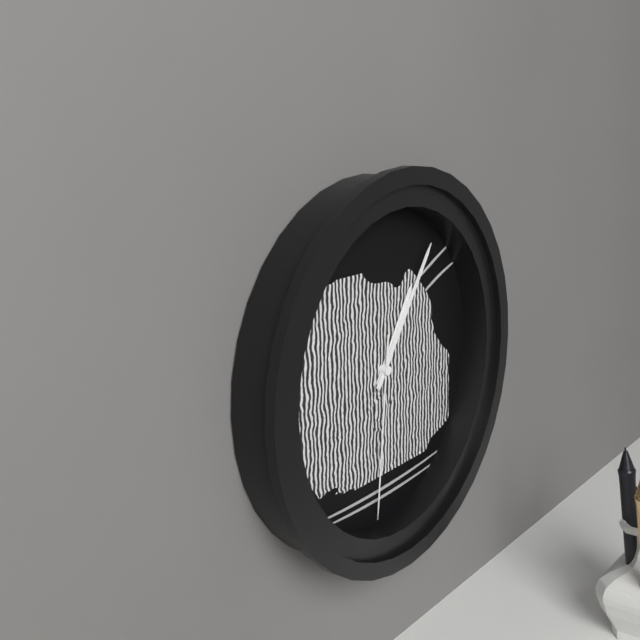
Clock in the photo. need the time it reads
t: 1:06:31
